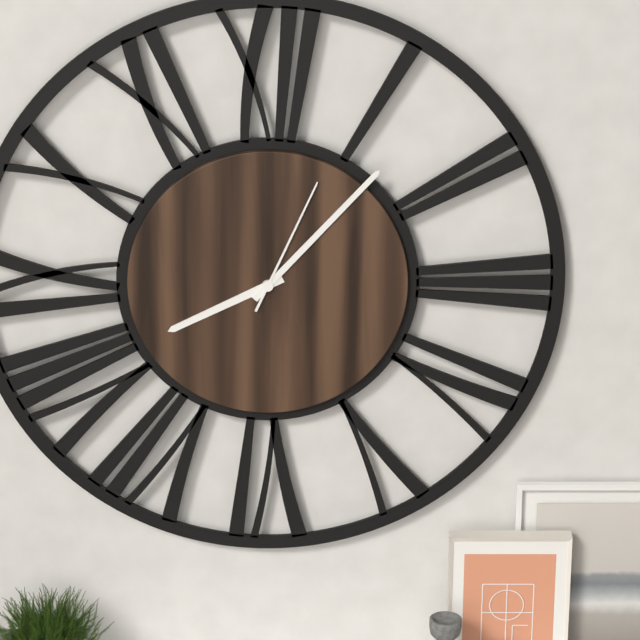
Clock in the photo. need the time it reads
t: 8:07:04
